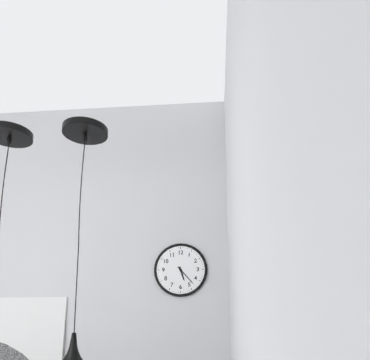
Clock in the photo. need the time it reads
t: 5:23
